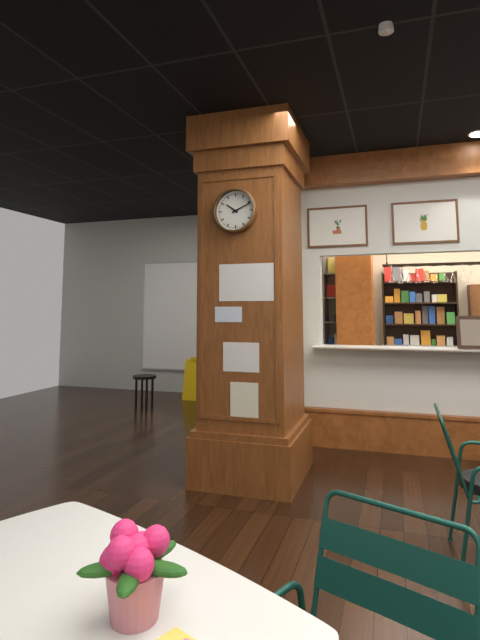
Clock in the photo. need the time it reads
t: 10:11
